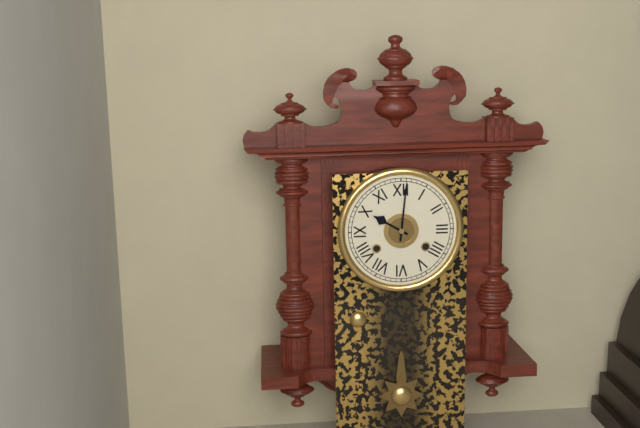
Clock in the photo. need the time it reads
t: 10:01
